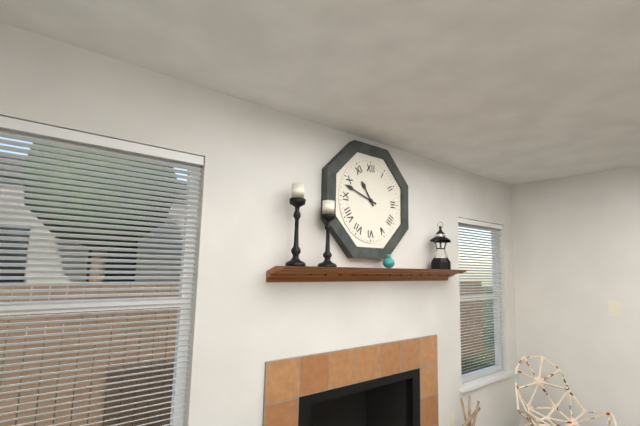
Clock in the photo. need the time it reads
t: 10:48
